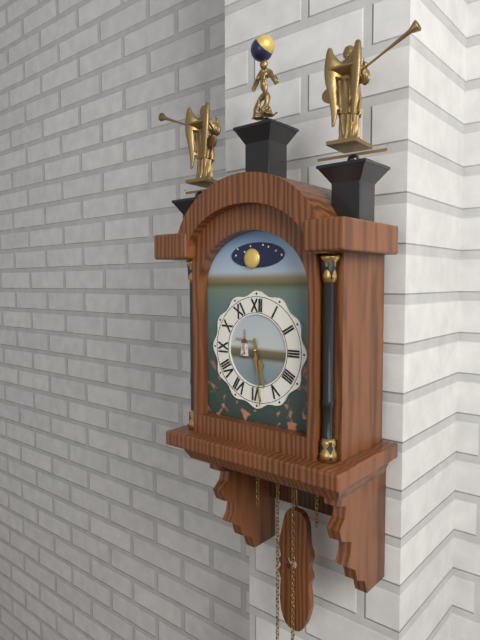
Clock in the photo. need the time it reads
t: 5:29
